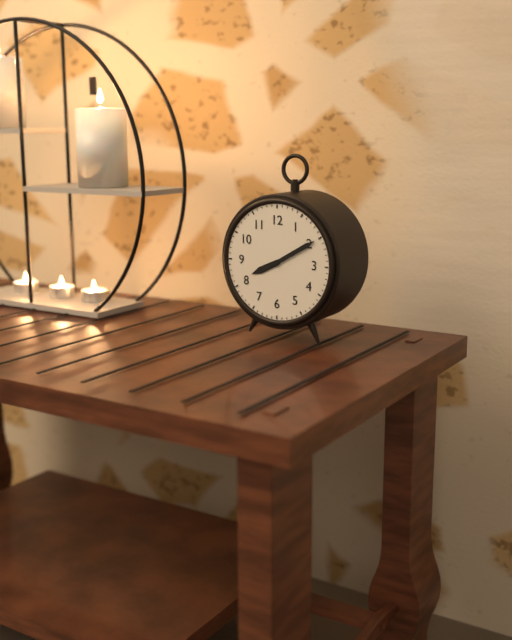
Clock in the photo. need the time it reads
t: 8:10
